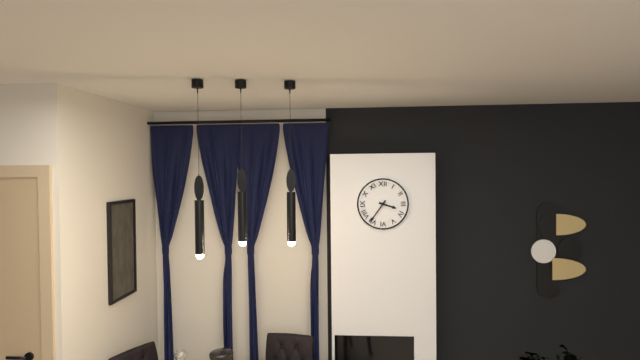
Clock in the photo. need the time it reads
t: 3:36
